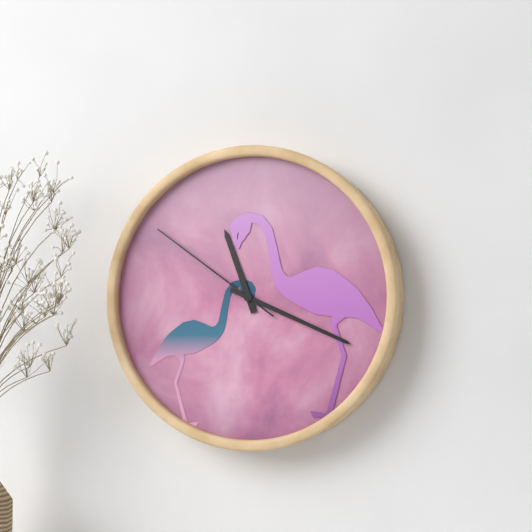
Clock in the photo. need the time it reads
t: 11:19:51
